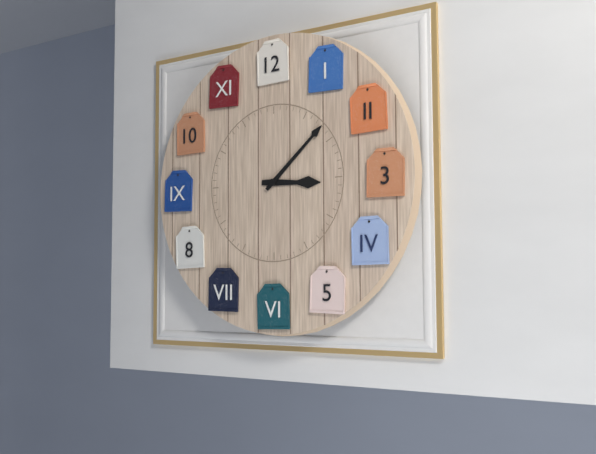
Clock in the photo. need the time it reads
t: 3:08
